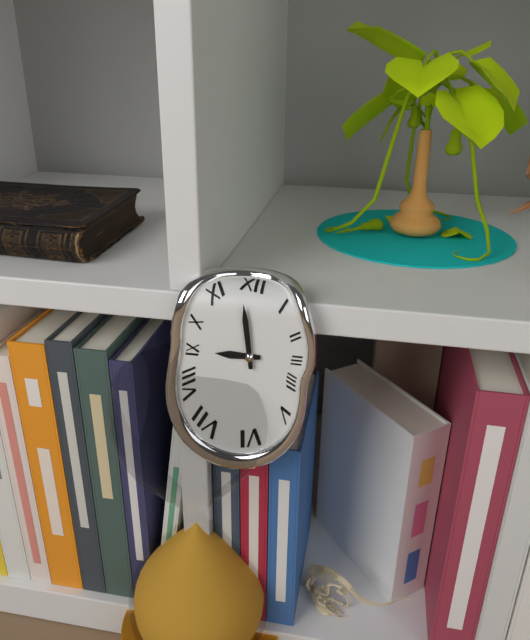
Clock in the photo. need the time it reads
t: 8:59
